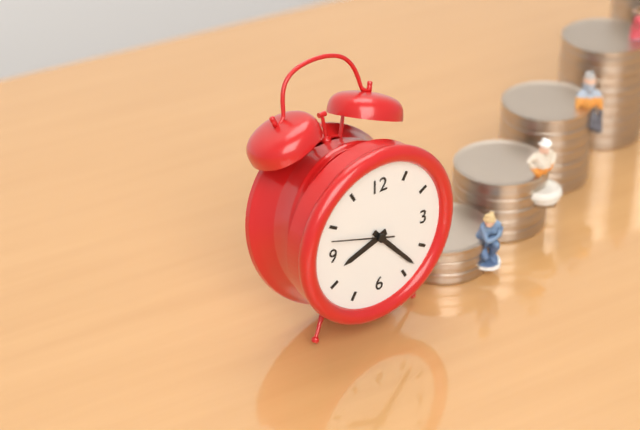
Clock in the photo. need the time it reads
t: 8:23:48
